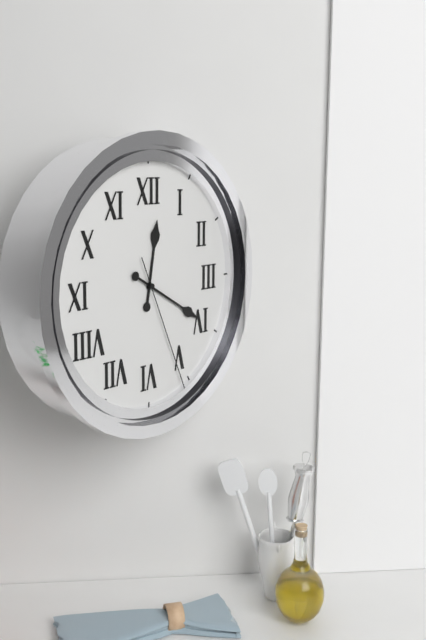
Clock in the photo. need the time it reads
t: 12:20:26
